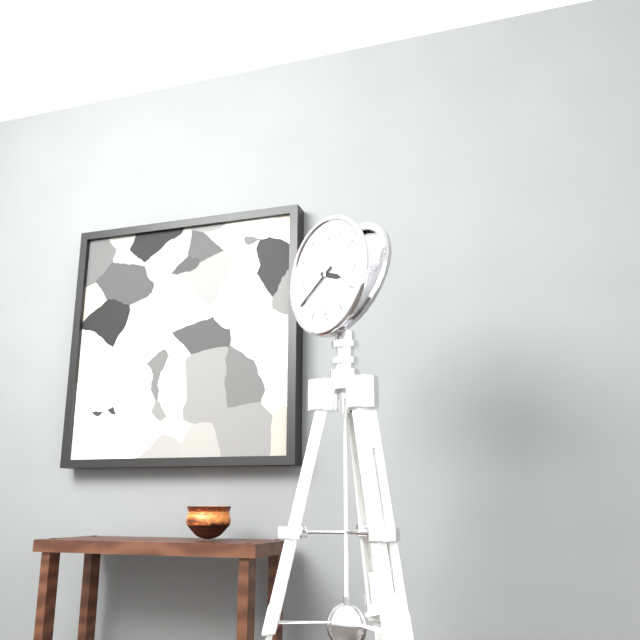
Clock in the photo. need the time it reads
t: 3:40
